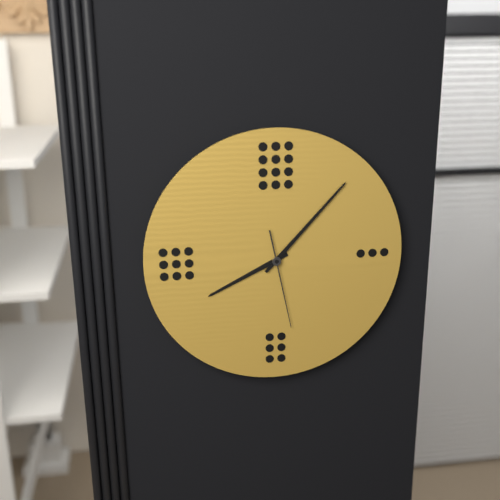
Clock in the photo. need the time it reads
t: 8:07:28
